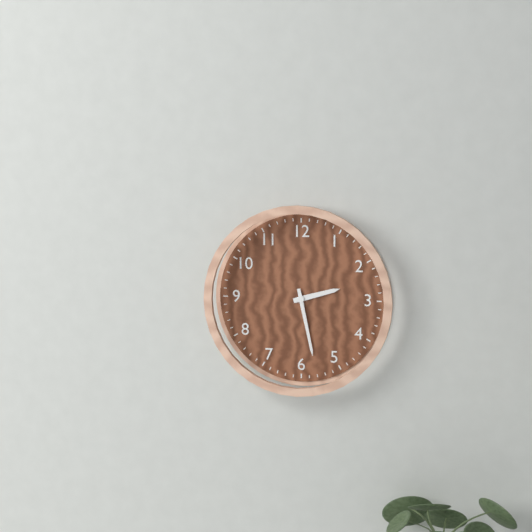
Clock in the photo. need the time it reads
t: 2:28
